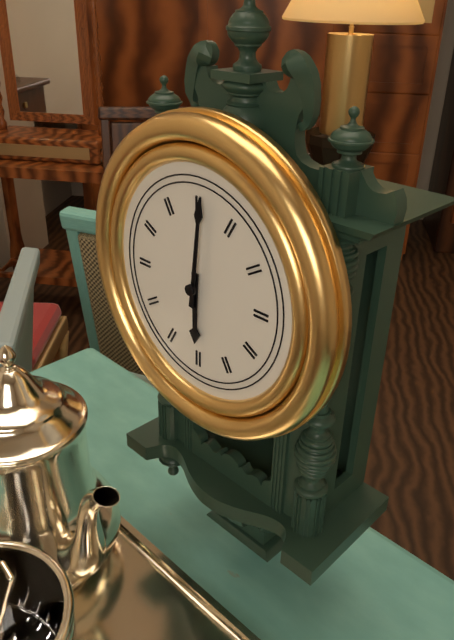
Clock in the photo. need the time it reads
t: 6:01
